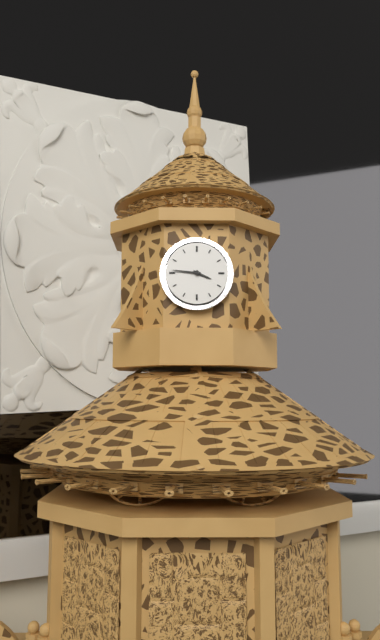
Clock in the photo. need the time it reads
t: 3:46
